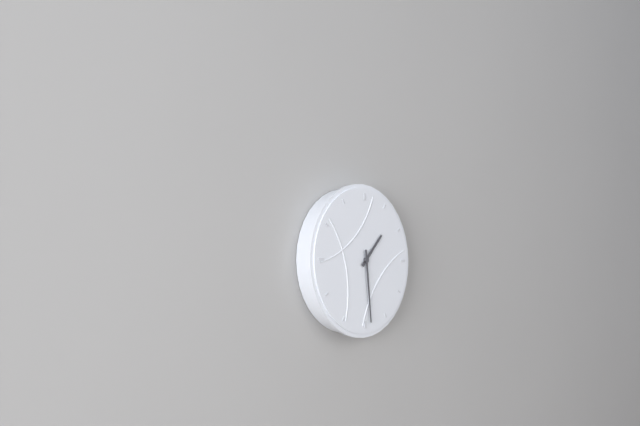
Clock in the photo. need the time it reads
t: 1:29
